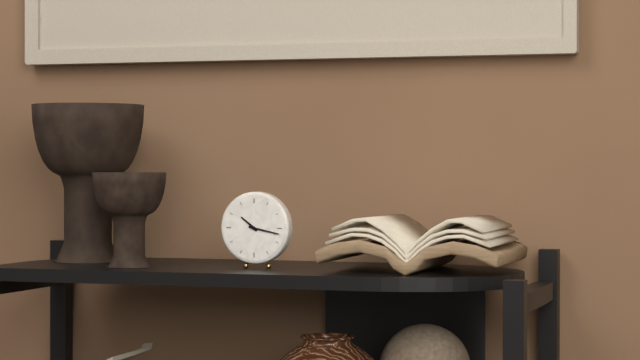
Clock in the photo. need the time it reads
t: 10:17
